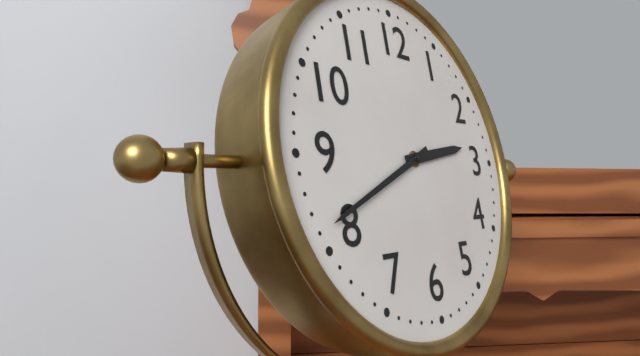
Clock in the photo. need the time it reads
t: 2:41
